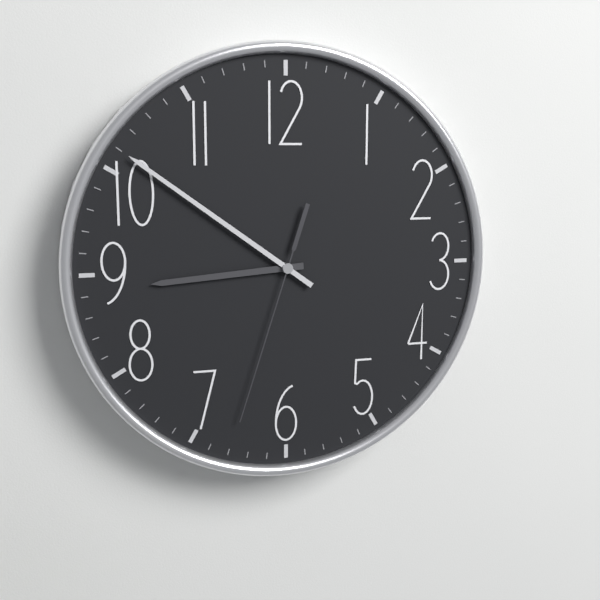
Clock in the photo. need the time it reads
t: 8:51:33
